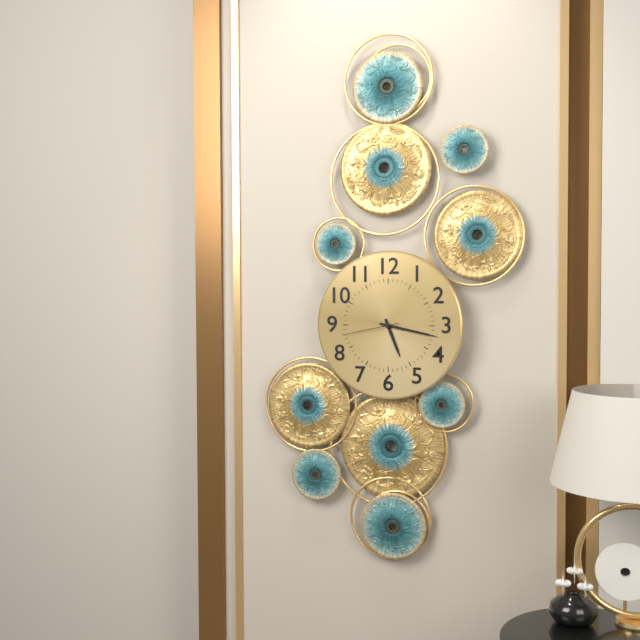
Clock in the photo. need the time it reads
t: 5:17:43
